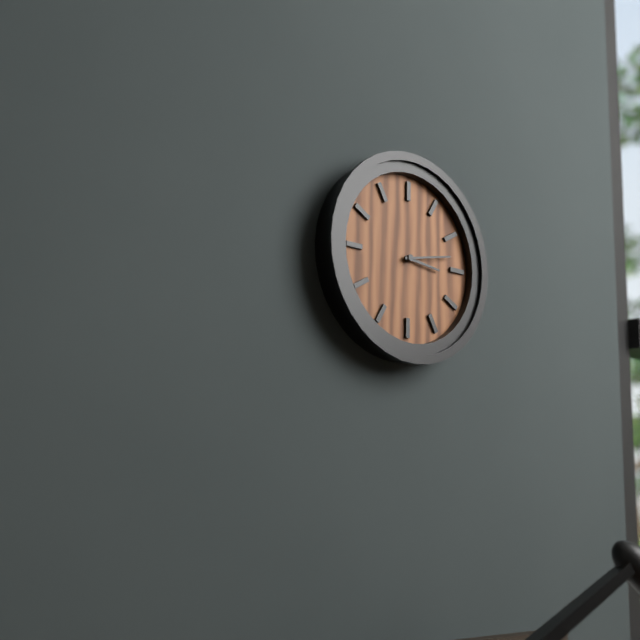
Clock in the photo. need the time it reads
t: 3:13
